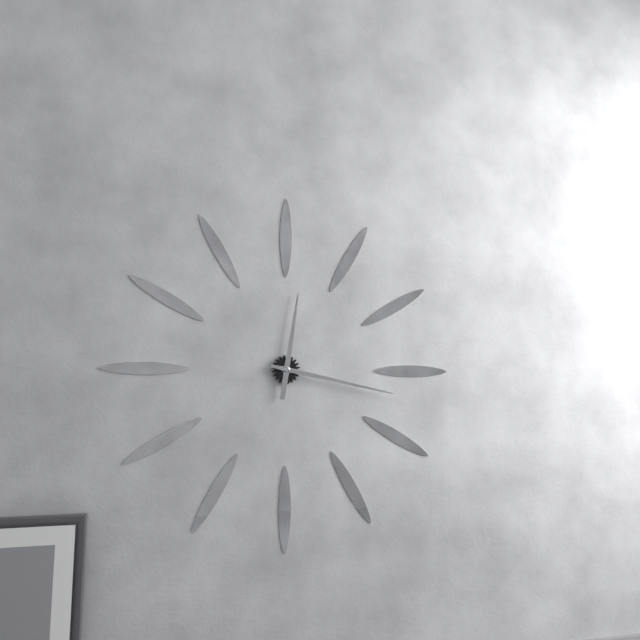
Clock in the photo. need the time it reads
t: 12:17
